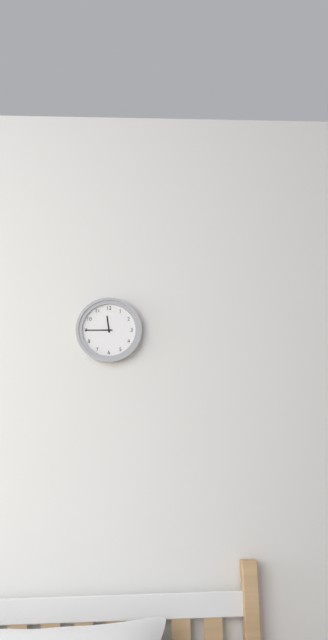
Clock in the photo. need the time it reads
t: 11:45
